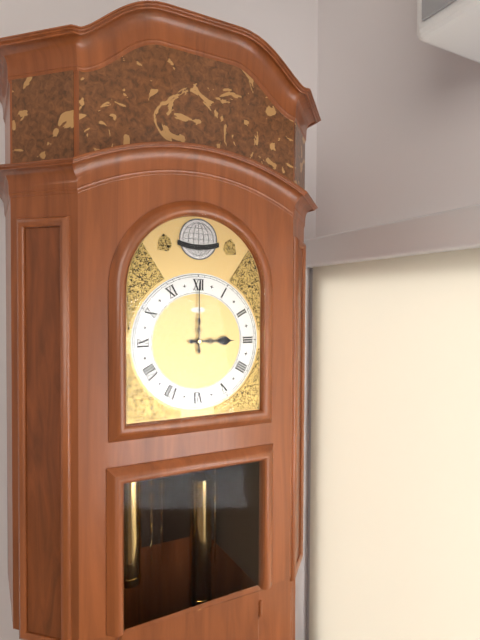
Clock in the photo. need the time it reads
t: 3:00
